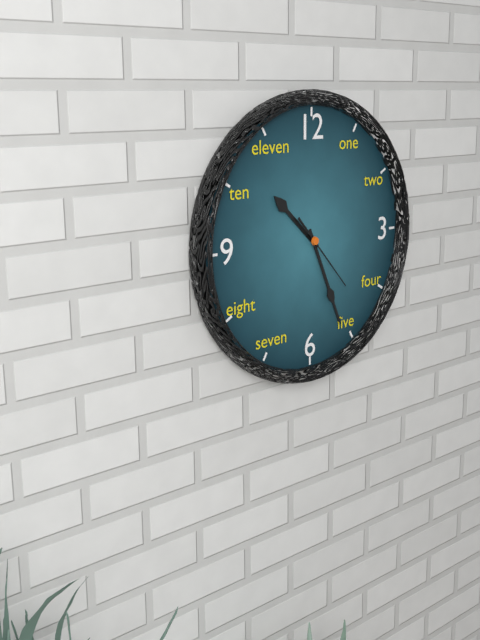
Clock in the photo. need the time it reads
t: 10:26:23
